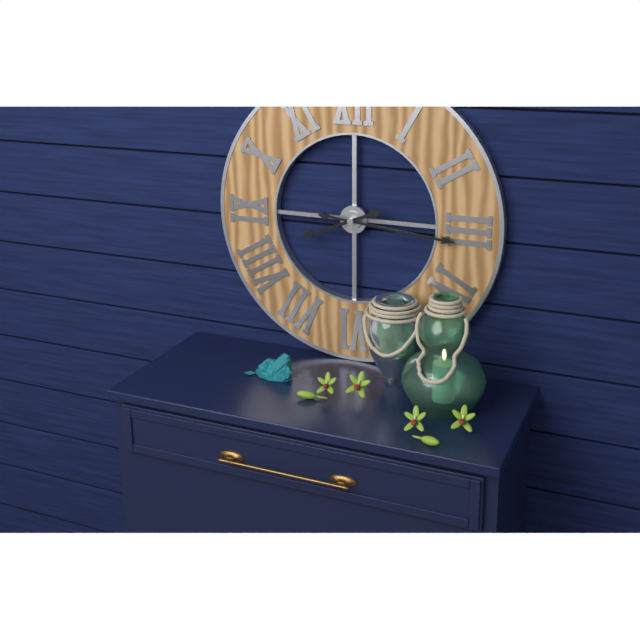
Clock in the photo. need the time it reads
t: 8:16
